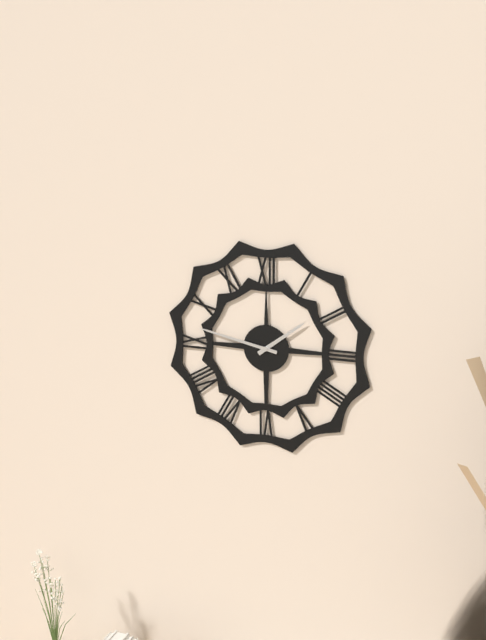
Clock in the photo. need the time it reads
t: 1:47
